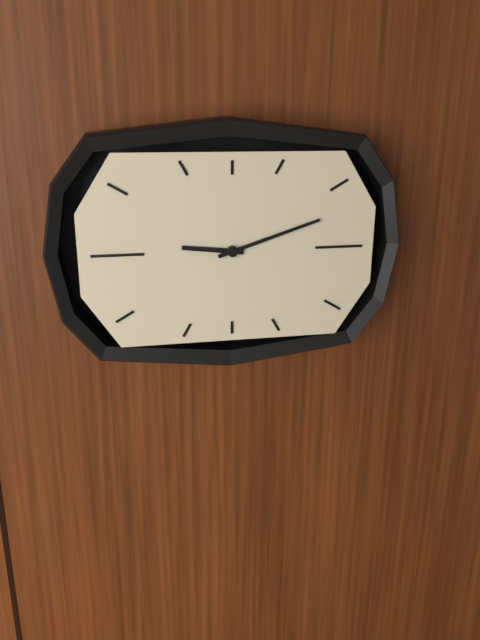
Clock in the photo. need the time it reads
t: 9:12
